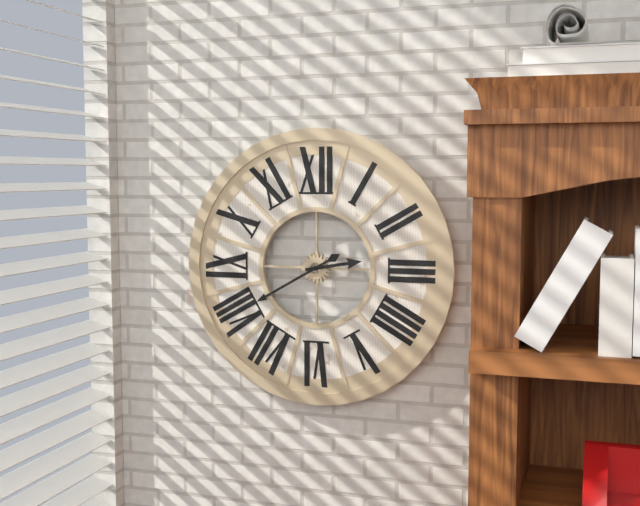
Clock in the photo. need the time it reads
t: 2:40
